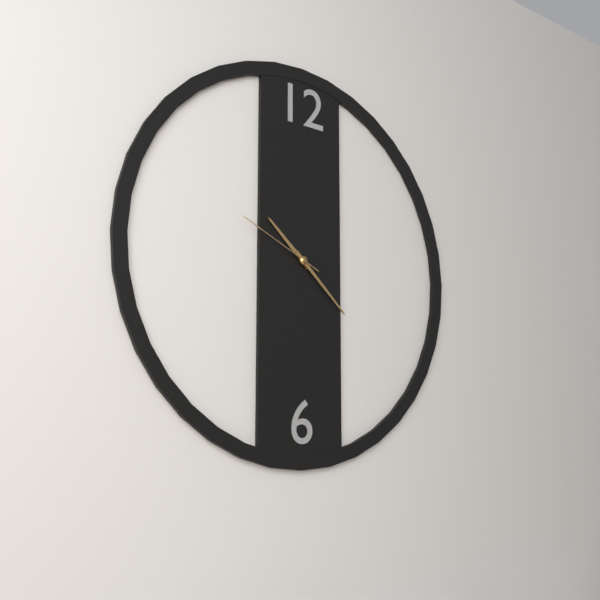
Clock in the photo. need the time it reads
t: 10:22:49
